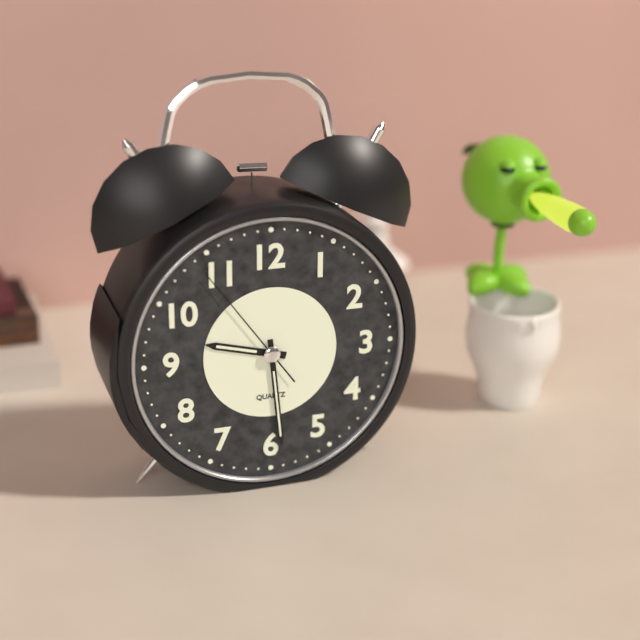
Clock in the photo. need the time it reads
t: 9:29:54
